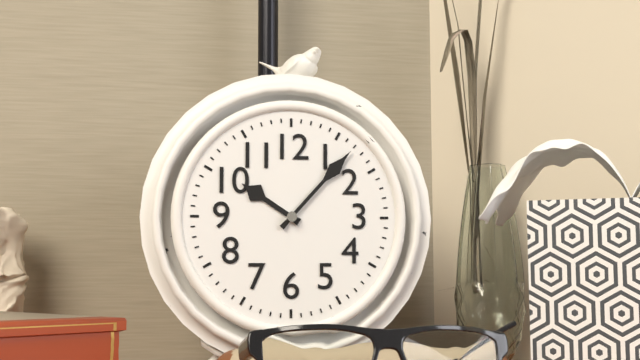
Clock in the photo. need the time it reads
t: 10:07
